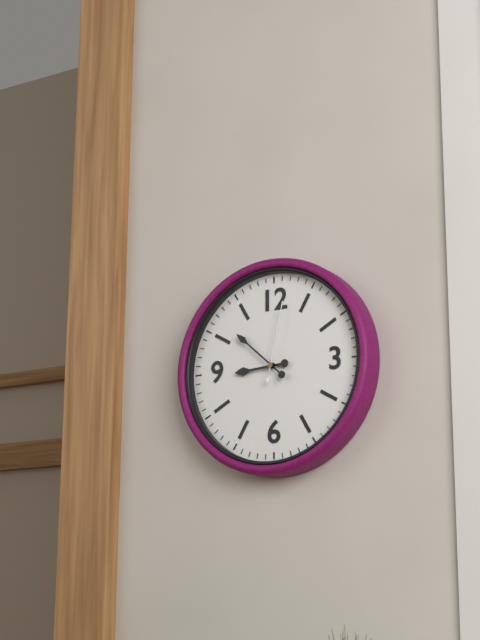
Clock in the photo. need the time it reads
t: 8:52:02
